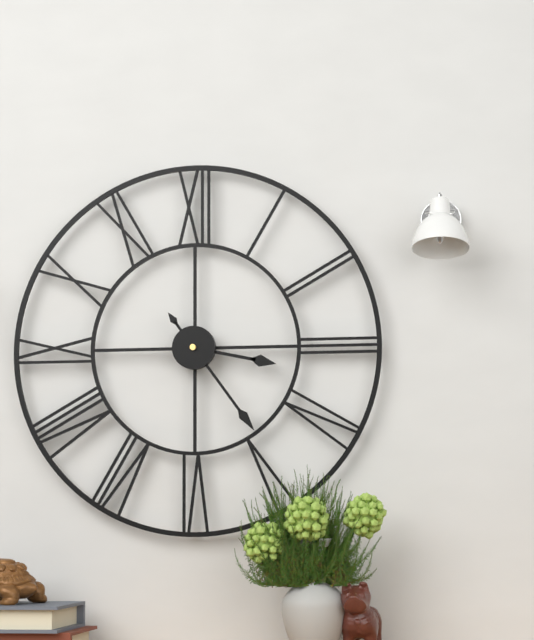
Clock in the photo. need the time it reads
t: 3:24
